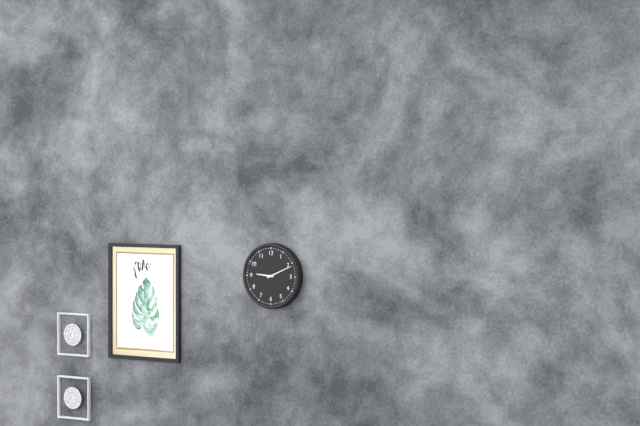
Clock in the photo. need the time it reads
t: 9:11
